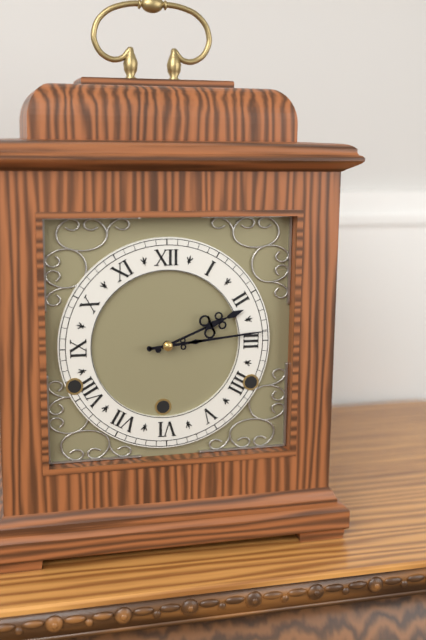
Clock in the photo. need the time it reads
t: 2:14
